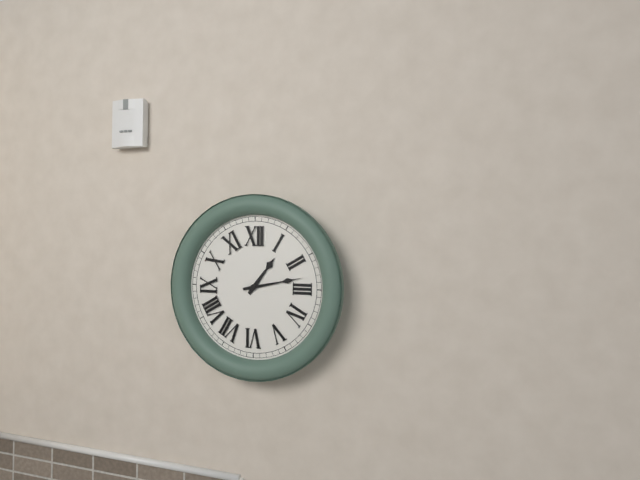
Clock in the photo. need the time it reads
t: 1:13
